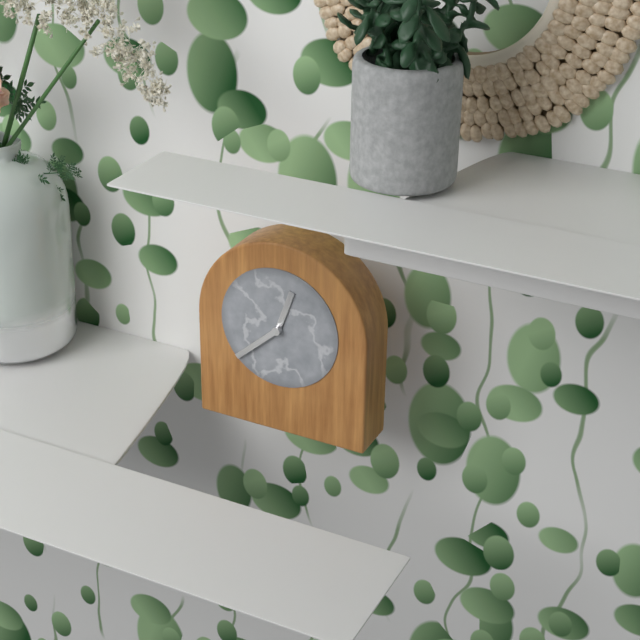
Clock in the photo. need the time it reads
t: 12:38
